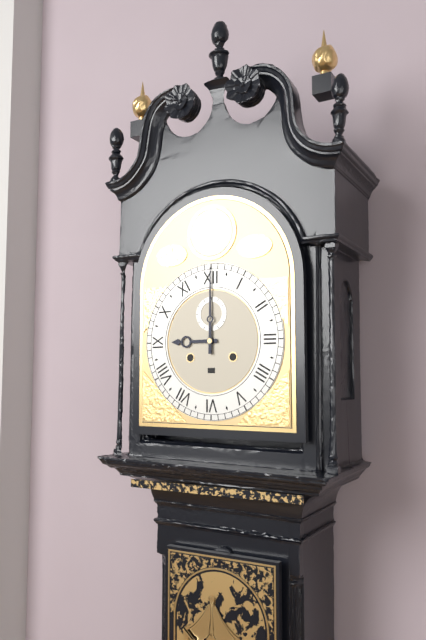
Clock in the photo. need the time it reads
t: 9:00
